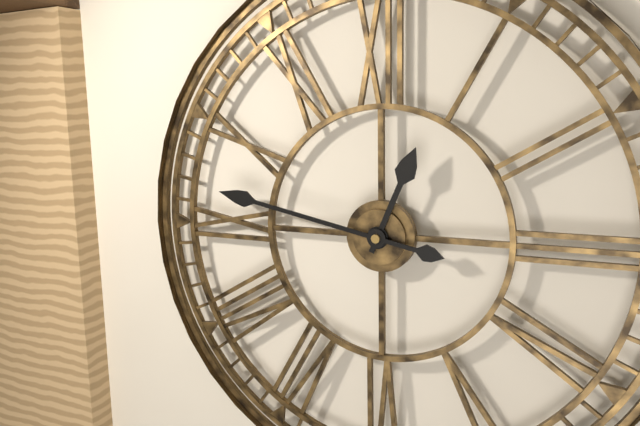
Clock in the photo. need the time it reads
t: 12:47
